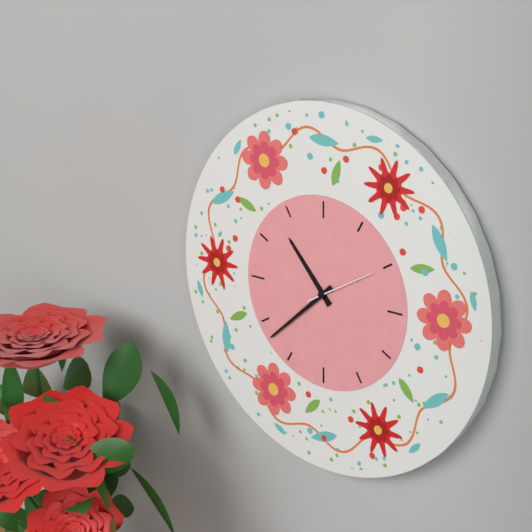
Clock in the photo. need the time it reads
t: 10:38:10
